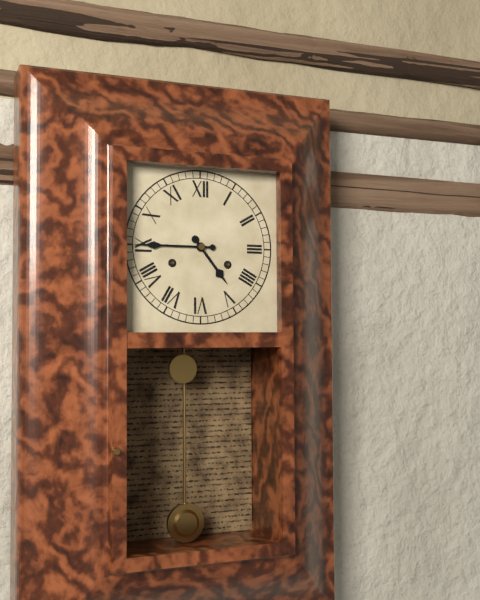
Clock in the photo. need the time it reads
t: 4:45
